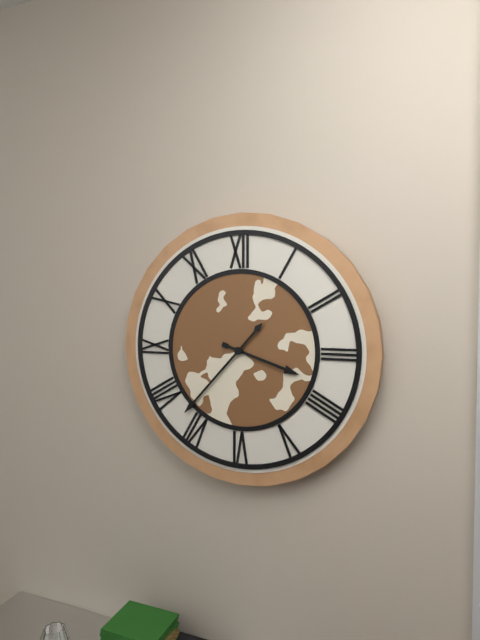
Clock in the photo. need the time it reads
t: 3:37
